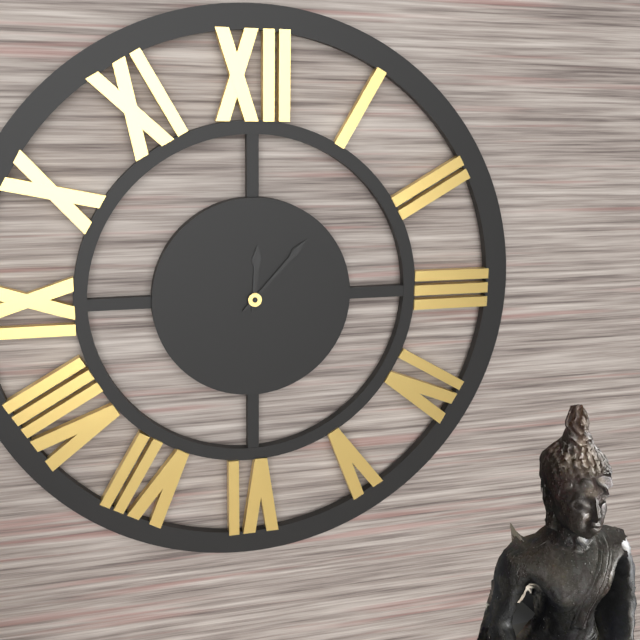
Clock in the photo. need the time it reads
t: 12:07
